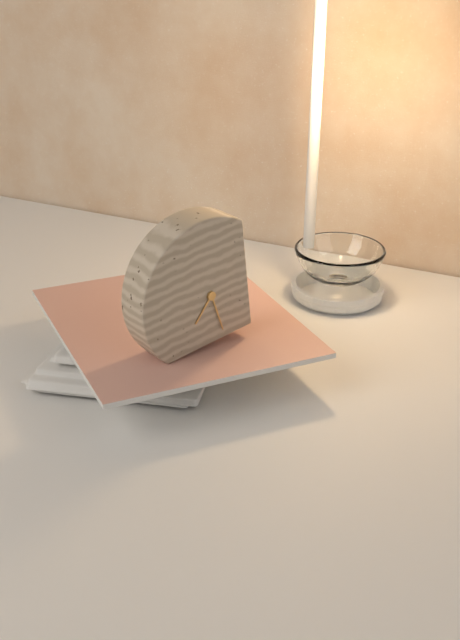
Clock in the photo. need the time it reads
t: 7:28
